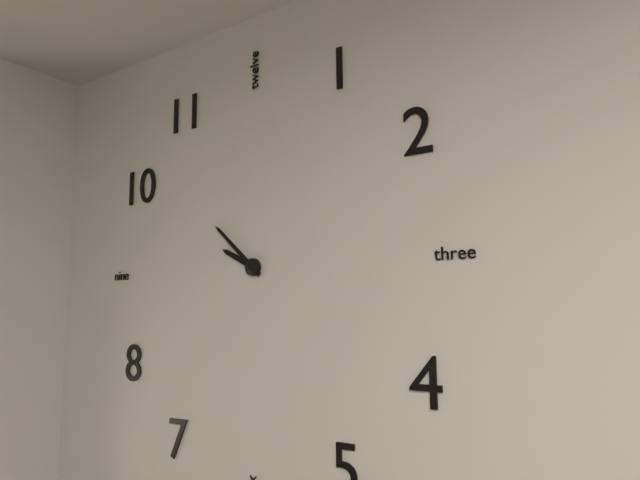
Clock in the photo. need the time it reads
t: 9:52
